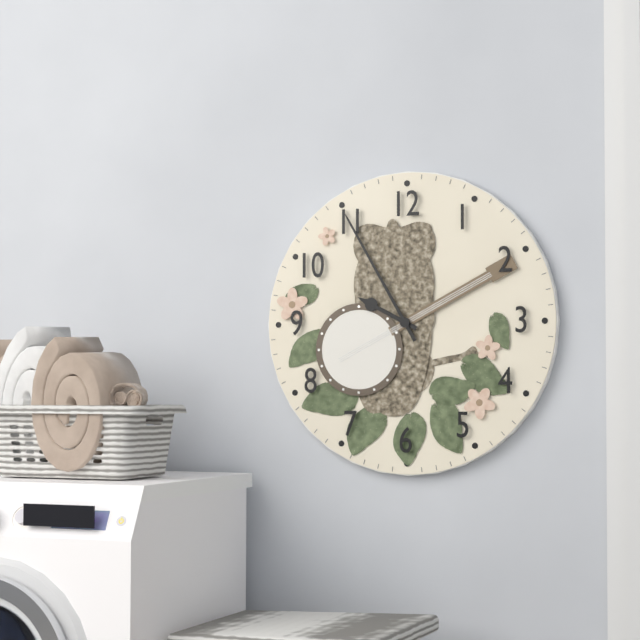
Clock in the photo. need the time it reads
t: 9:55
